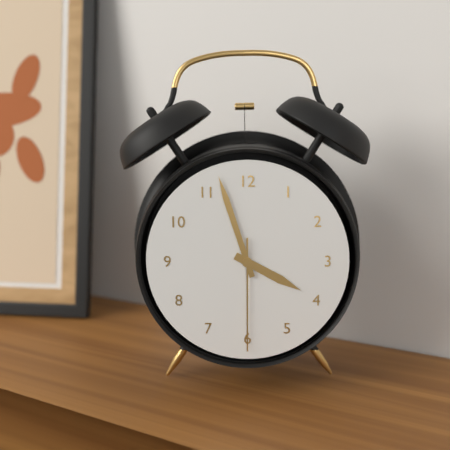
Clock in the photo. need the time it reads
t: 3:57:30
